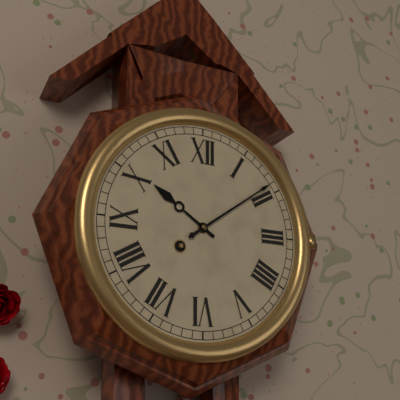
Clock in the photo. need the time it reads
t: 10:09
